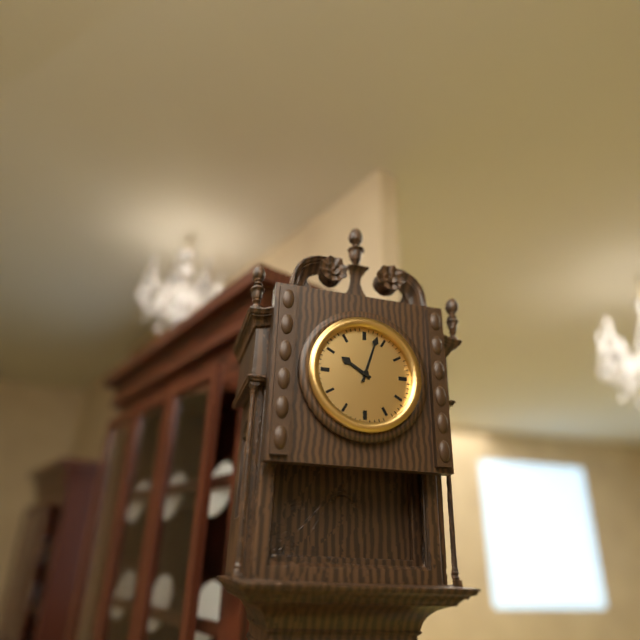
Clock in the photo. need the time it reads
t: 10:03
